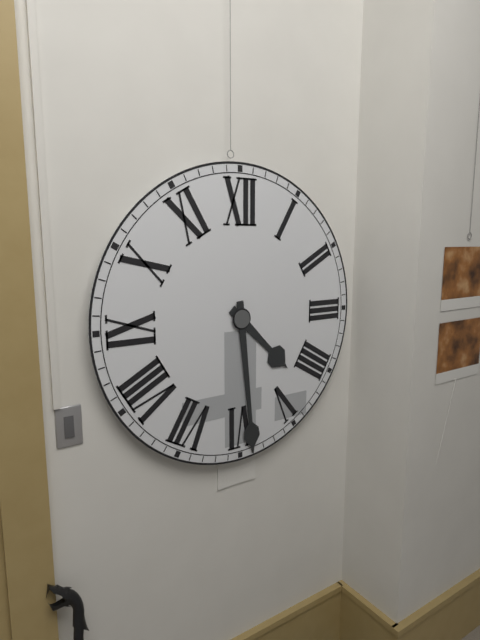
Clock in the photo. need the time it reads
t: 4:29
